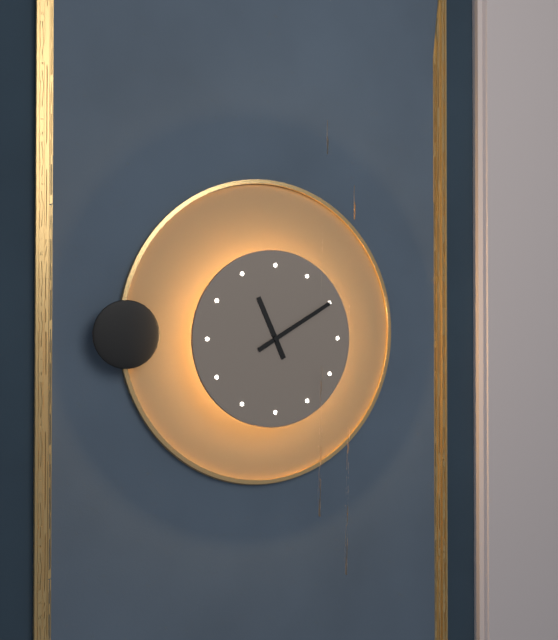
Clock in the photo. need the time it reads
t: 11:10
